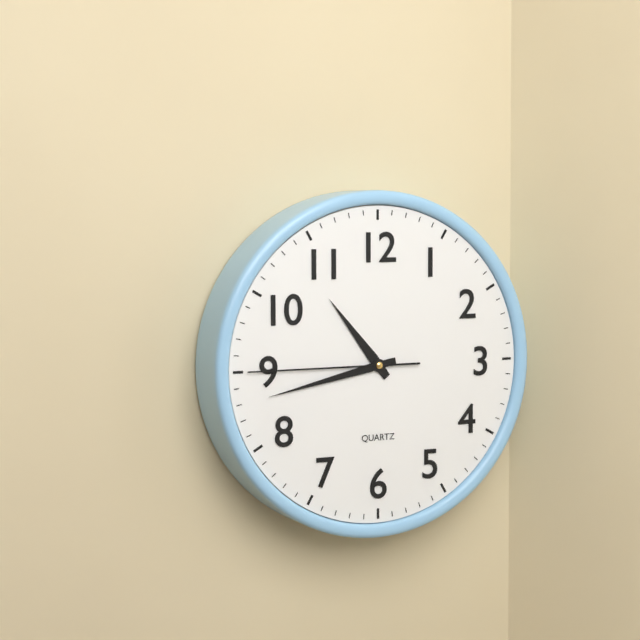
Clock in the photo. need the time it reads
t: 10:43:45
